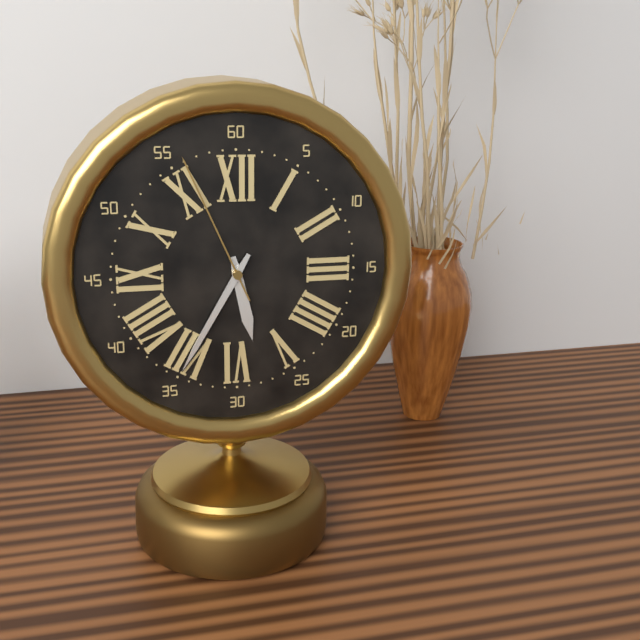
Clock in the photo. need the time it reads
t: 5:35:56
